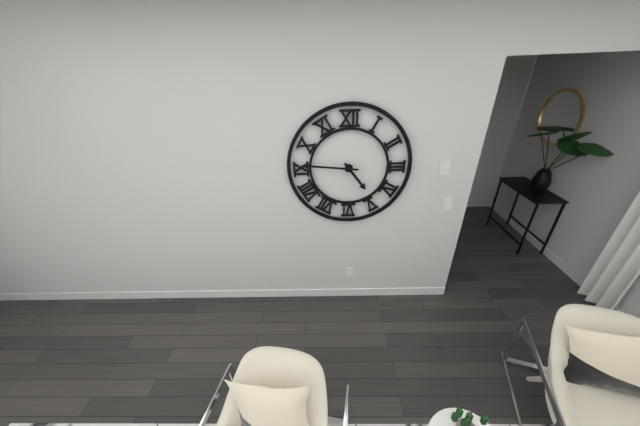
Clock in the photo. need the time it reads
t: 4:46
